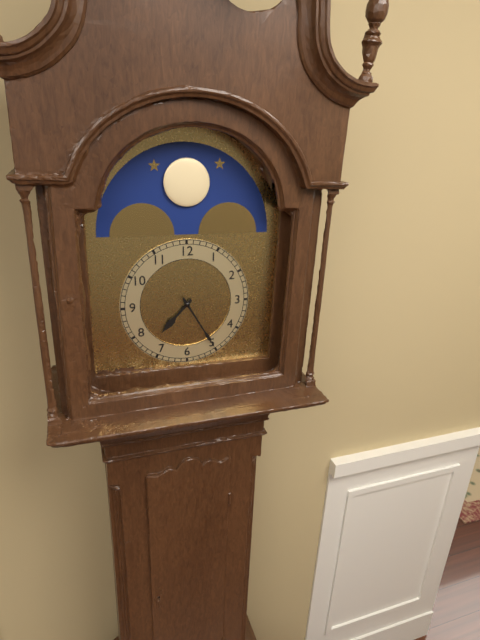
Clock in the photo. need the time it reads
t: 7:25
